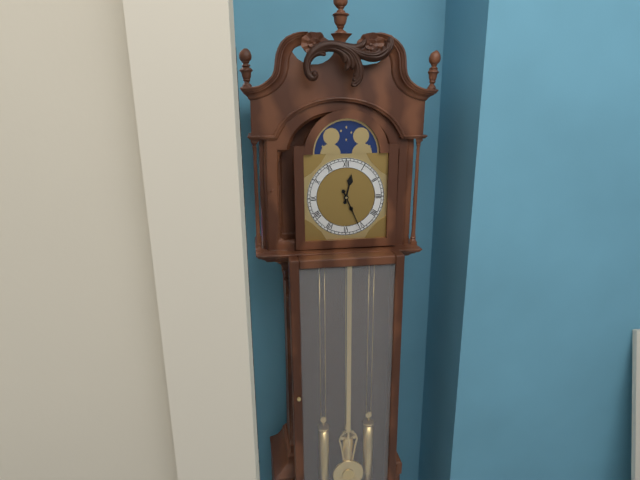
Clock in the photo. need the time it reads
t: 12:26
